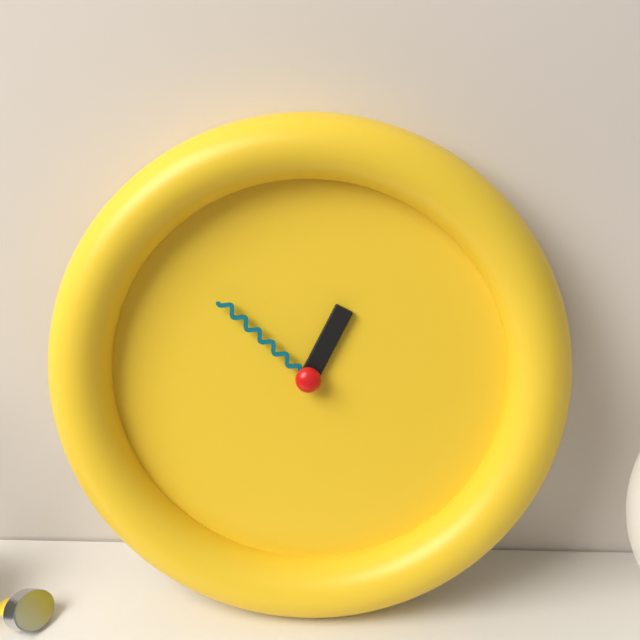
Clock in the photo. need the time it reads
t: 12:52
